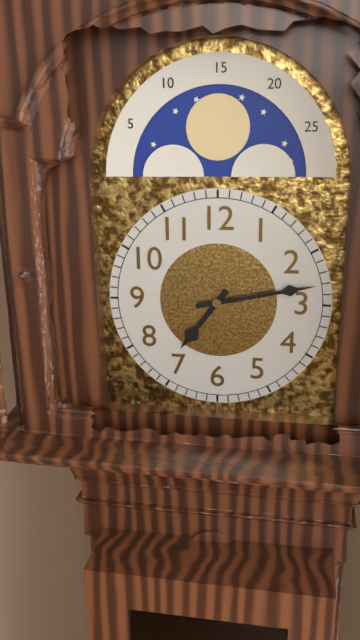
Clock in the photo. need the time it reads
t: 7:13
